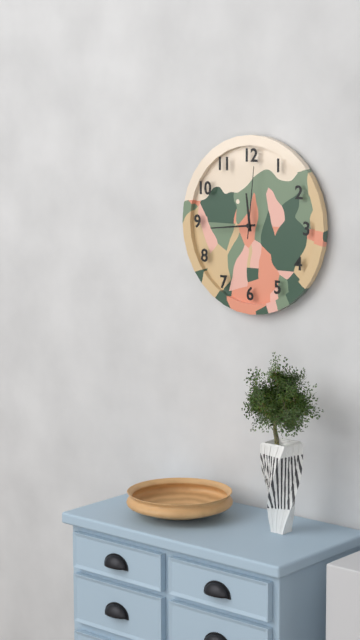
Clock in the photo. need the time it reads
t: 11:44:01
